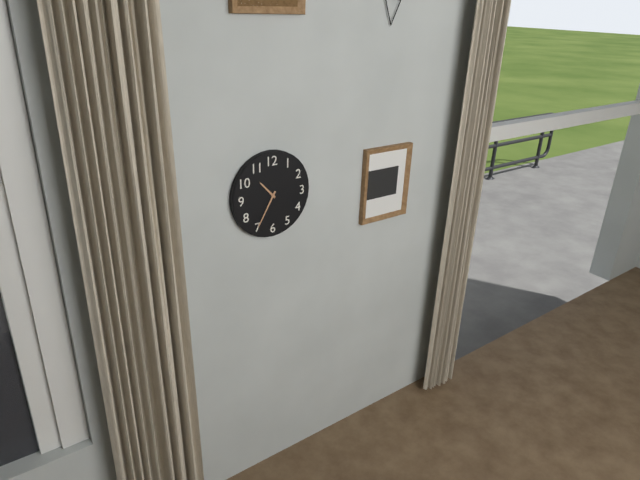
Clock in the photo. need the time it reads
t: 10:35
